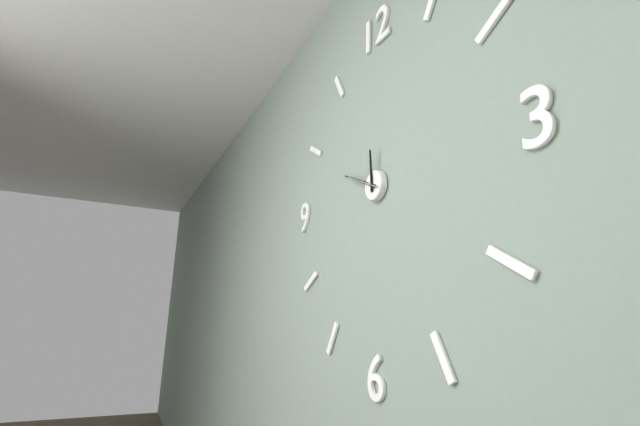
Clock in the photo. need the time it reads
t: 11:49
